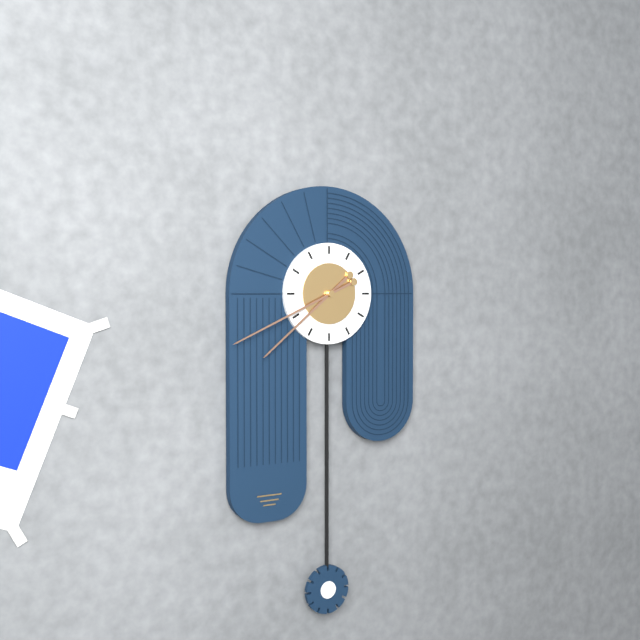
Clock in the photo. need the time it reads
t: 7:41
